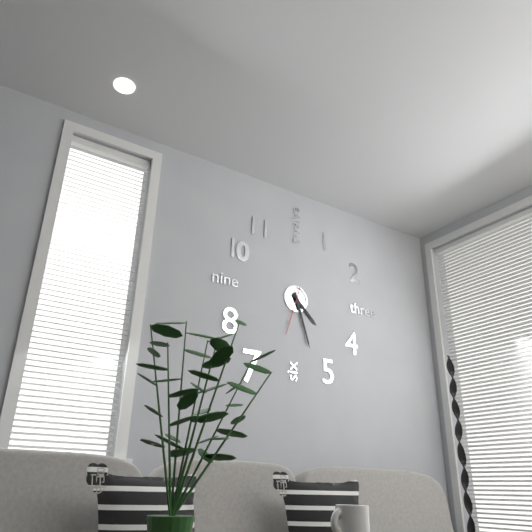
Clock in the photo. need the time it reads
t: 4:27
